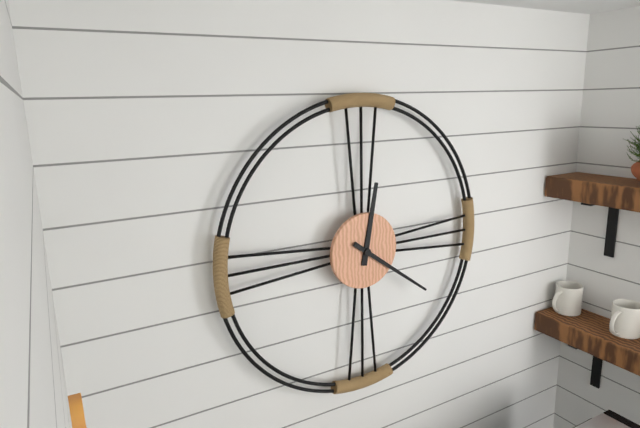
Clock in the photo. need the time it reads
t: 12:21
